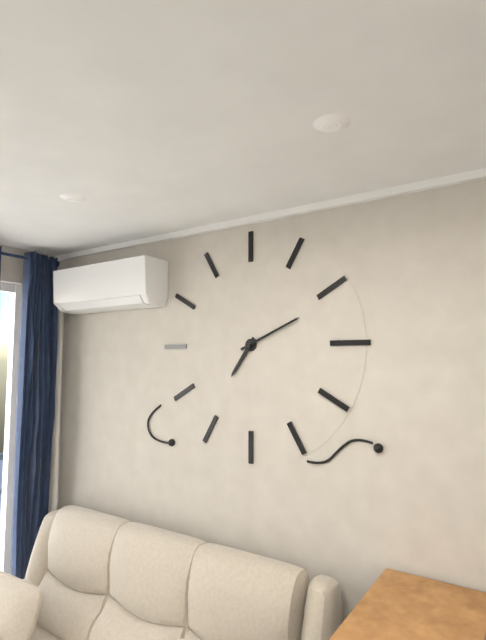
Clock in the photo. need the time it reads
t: 7:11
